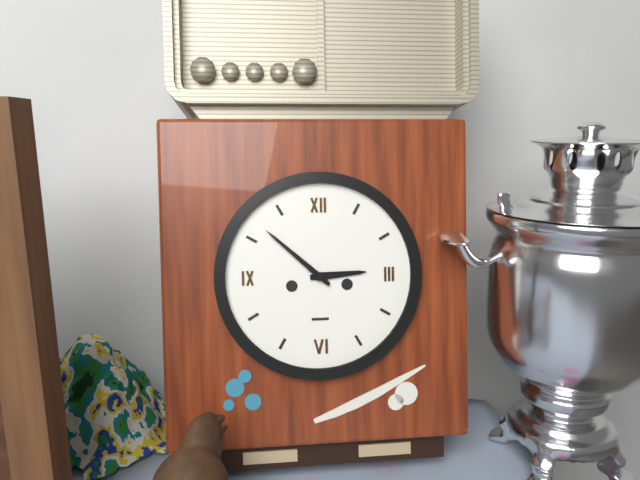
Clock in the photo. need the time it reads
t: 2:52
